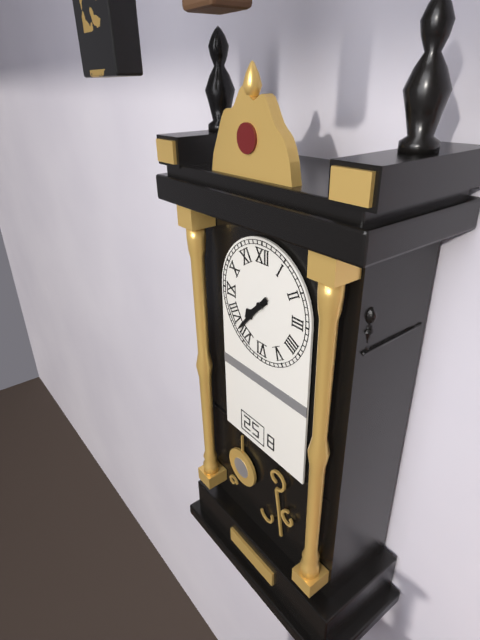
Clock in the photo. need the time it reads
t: 7:37
